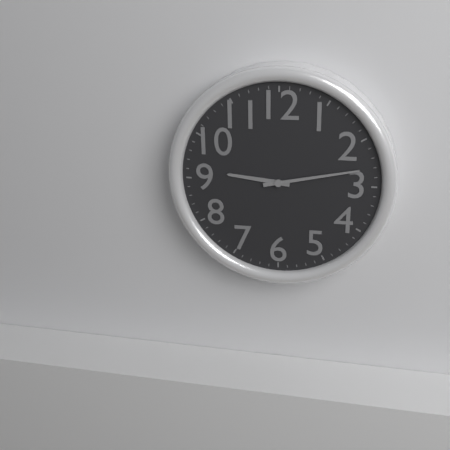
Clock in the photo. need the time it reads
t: 9:13
